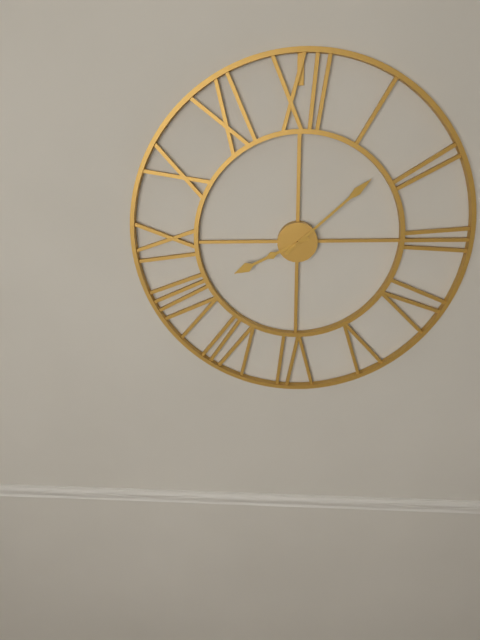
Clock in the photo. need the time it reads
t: 8:08
